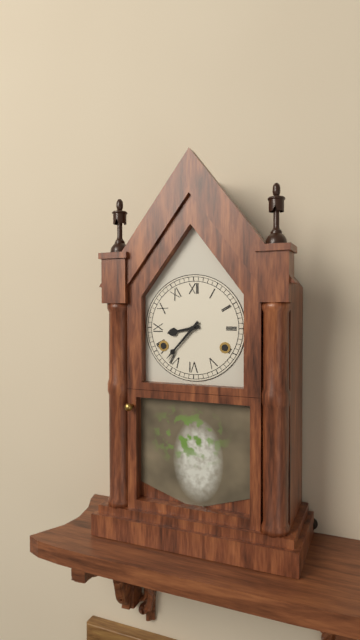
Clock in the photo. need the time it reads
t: 8:37
